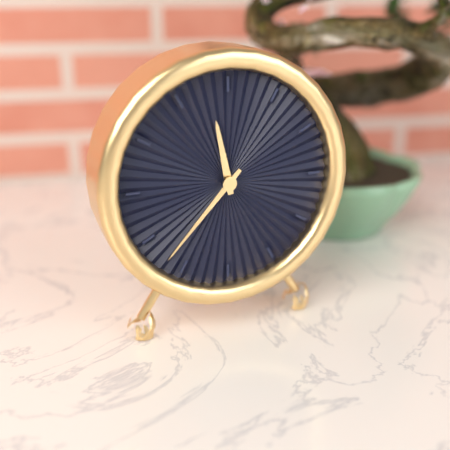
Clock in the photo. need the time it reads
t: 11:37
